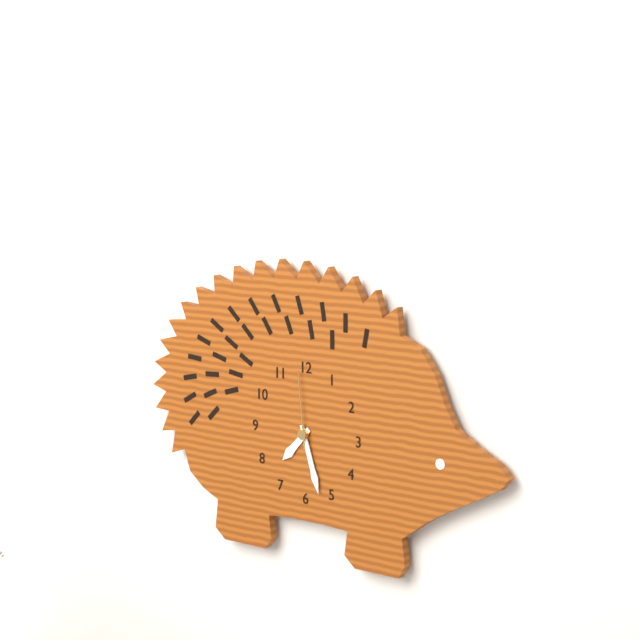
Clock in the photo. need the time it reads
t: 7:27:59
